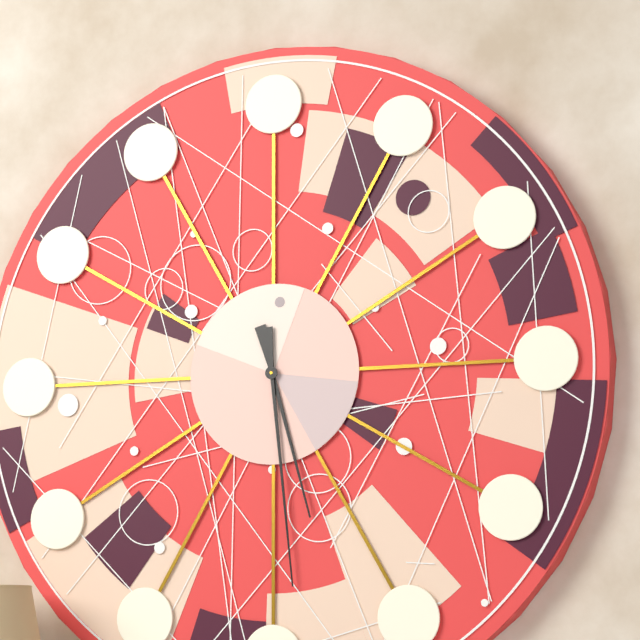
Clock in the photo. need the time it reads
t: 5:29
